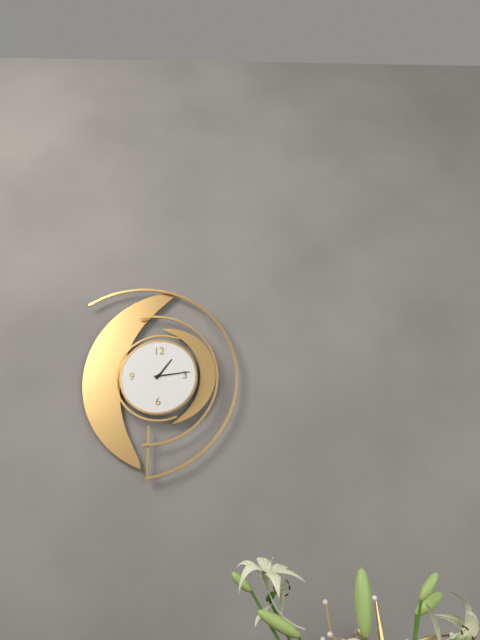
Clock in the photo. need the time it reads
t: 1:14
